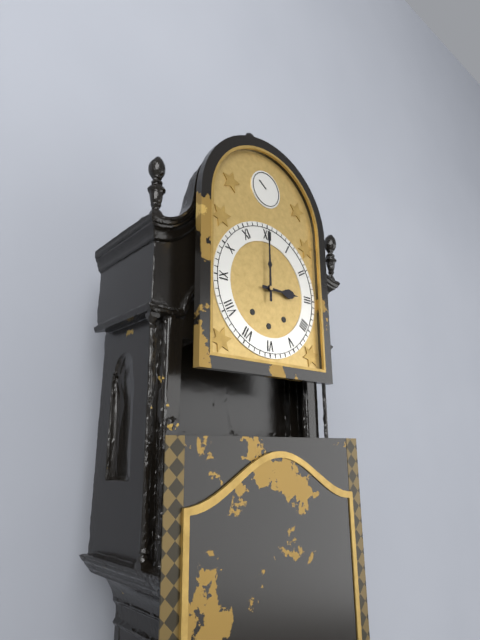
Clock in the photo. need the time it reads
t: 3:00
